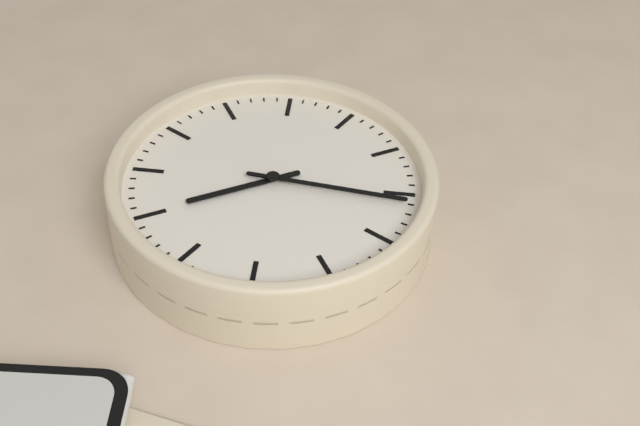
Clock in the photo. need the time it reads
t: 5:01
